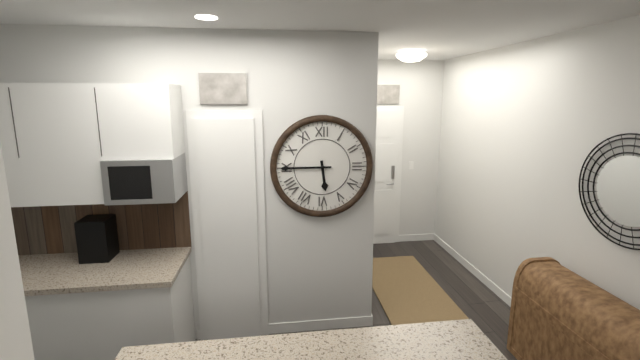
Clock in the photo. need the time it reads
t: 5:45
